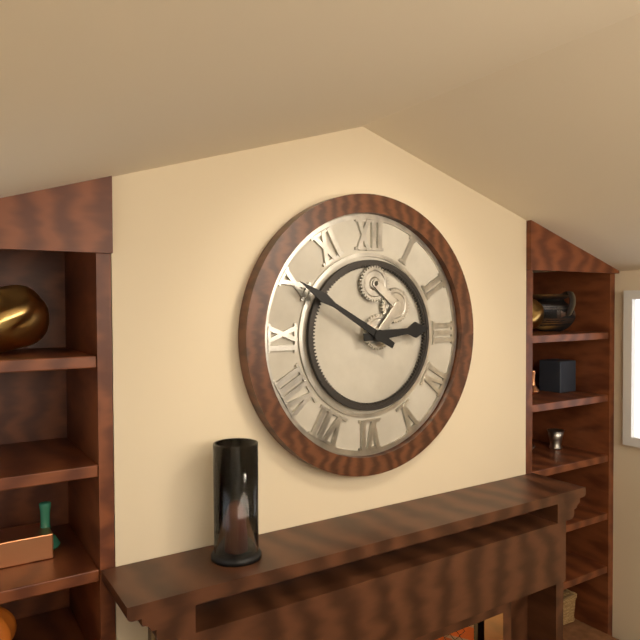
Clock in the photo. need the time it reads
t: 2:50
